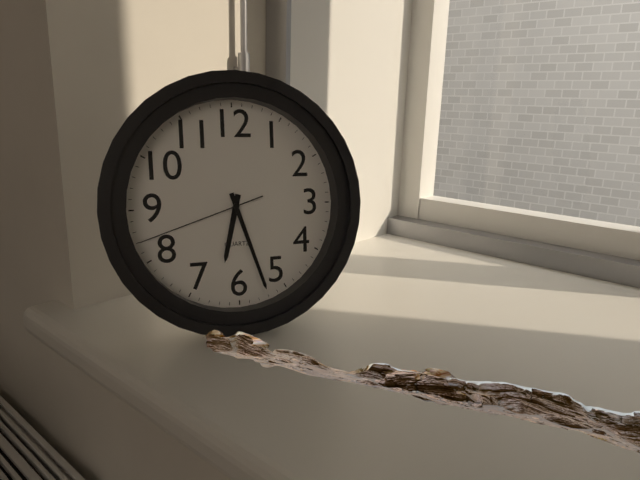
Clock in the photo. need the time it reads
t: 6:27:42
